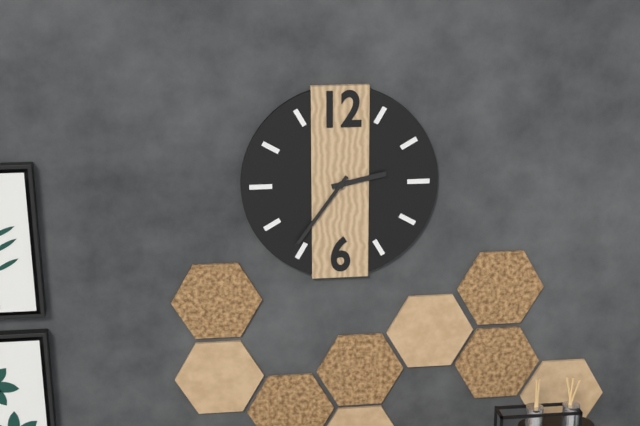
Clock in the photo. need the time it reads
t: 2:36
